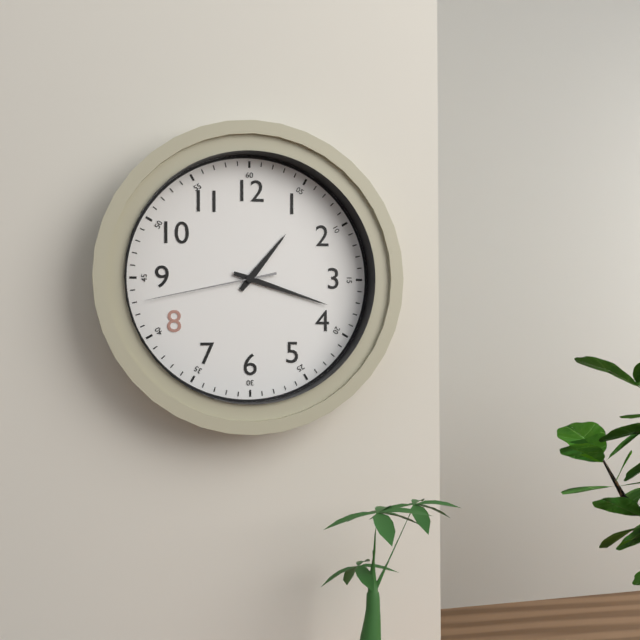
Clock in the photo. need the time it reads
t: 1:18:43
